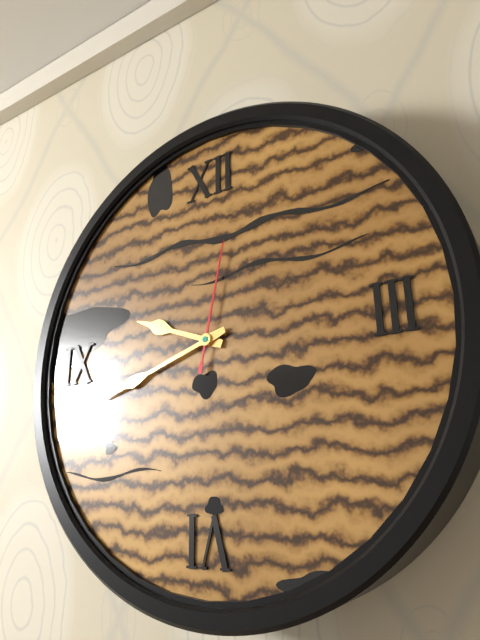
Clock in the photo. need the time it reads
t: 9:42:02
